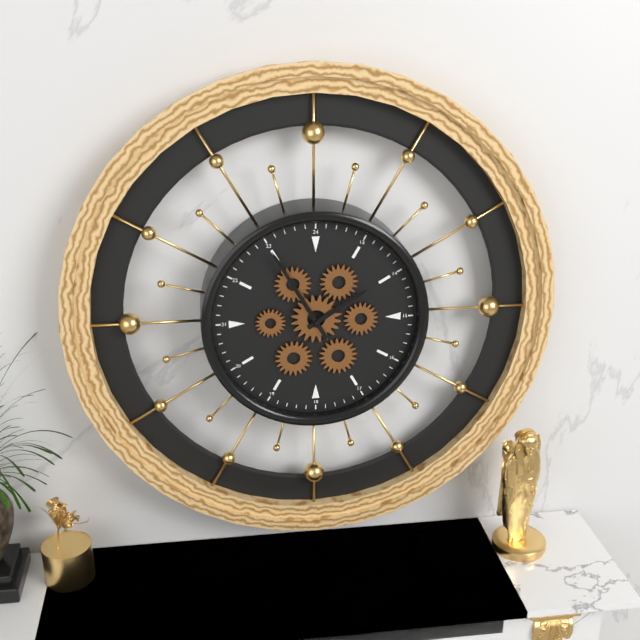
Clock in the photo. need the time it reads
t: 1:55
